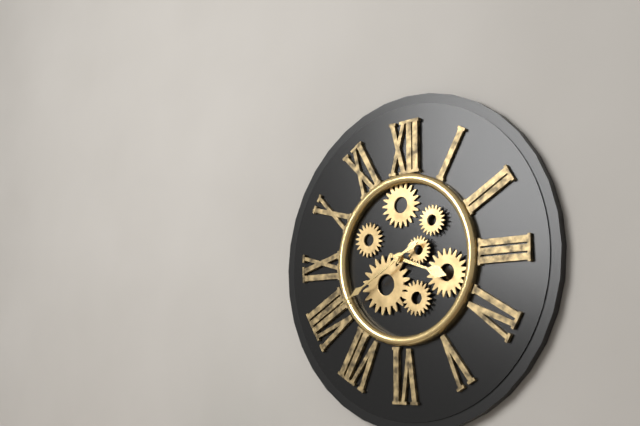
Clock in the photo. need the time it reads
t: 3:40
